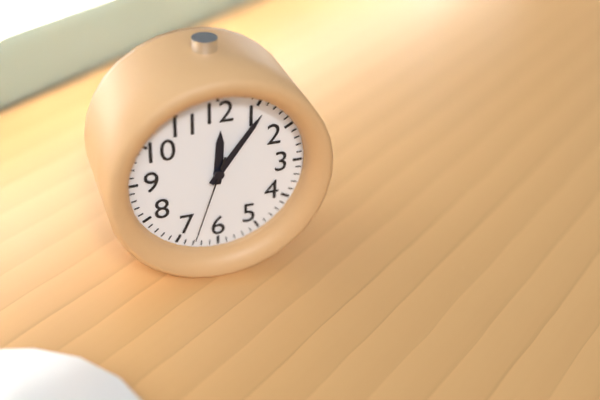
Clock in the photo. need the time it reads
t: 12:06:33
